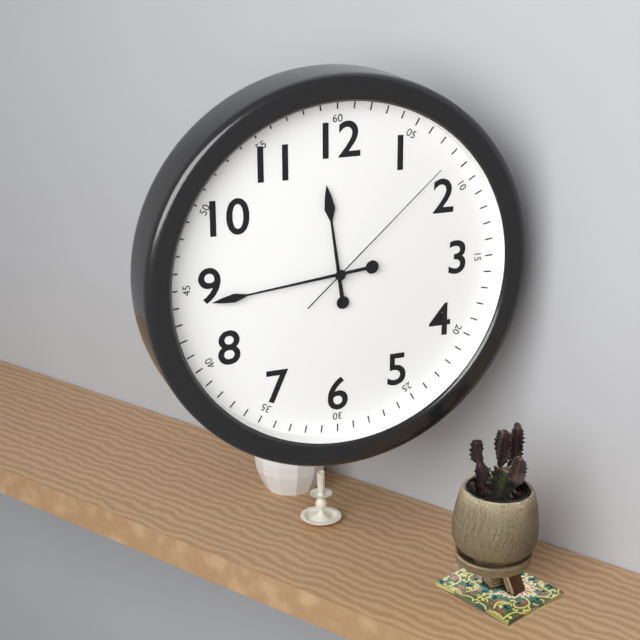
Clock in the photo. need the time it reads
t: 11:44:08
